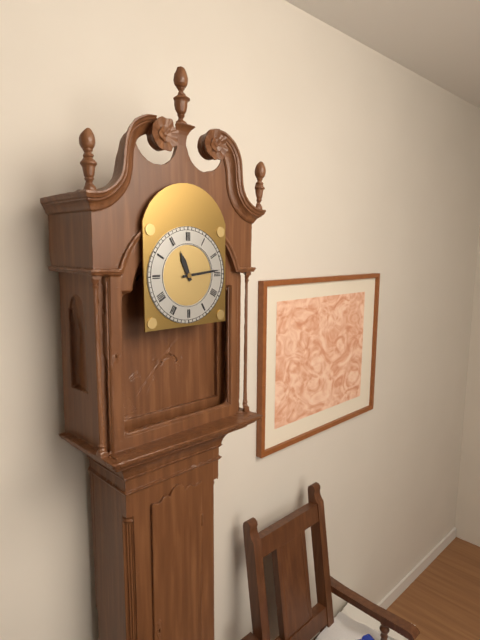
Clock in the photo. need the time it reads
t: 11:14
